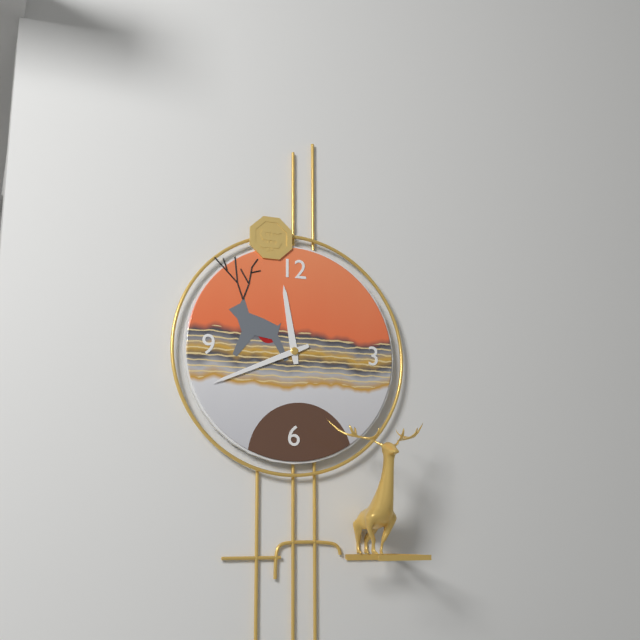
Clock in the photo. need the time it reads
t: 11:41
